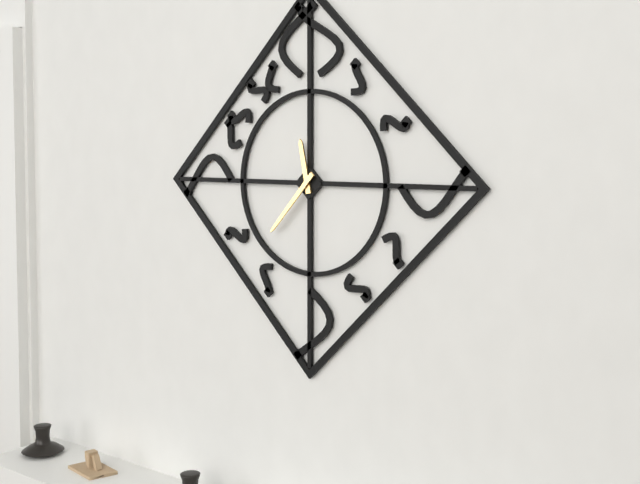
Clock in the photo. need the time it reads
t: 11:37
